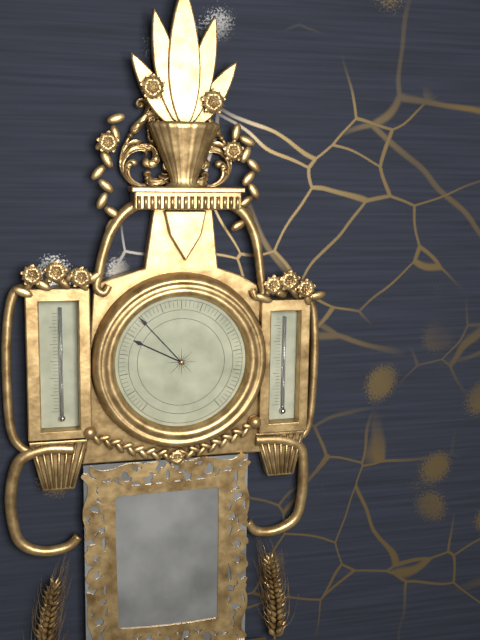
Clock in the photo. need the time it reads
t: 9:53
